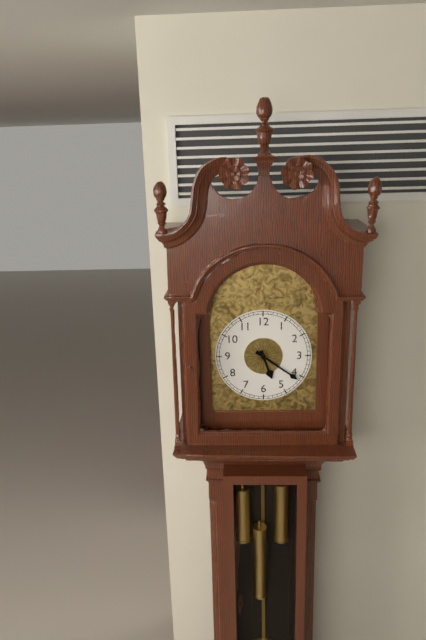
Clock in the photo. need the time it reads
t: 5:21
